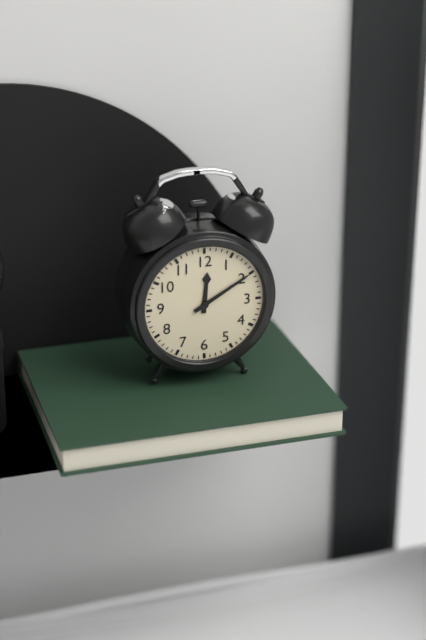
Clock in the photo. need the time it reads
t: 12:10
